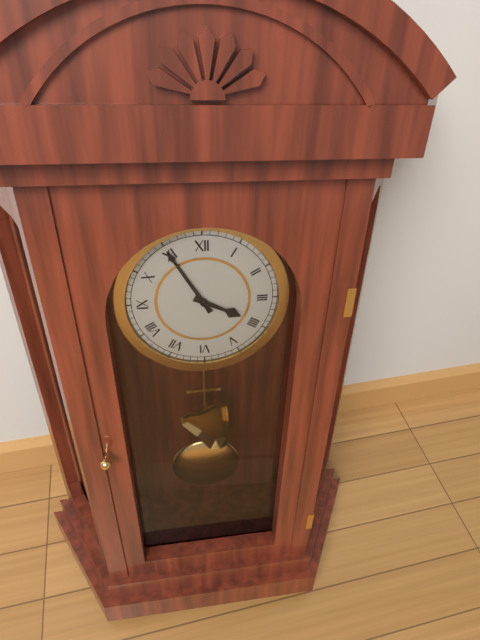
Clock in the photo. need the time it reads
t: 3:55
